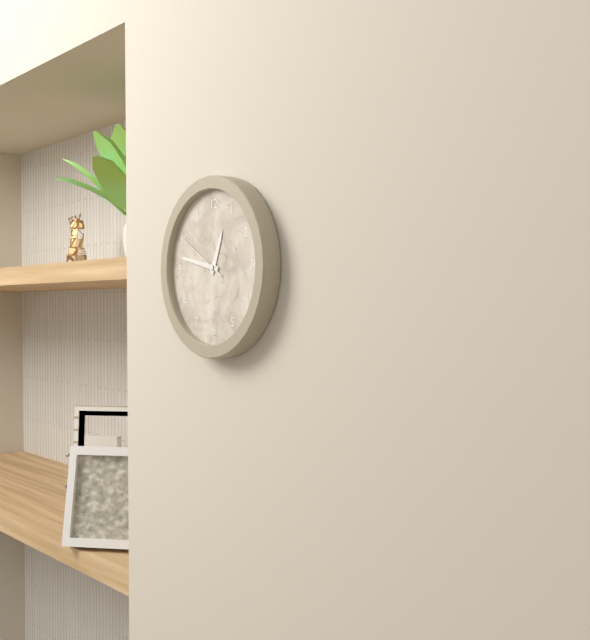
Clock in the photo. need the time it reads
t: 12:47:50
